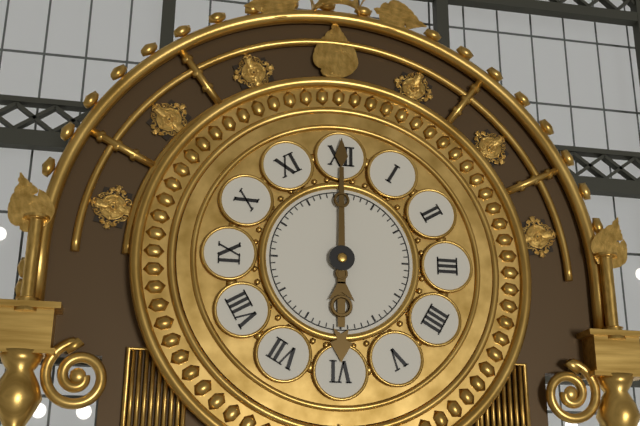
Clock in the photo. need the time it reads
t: 6:00
